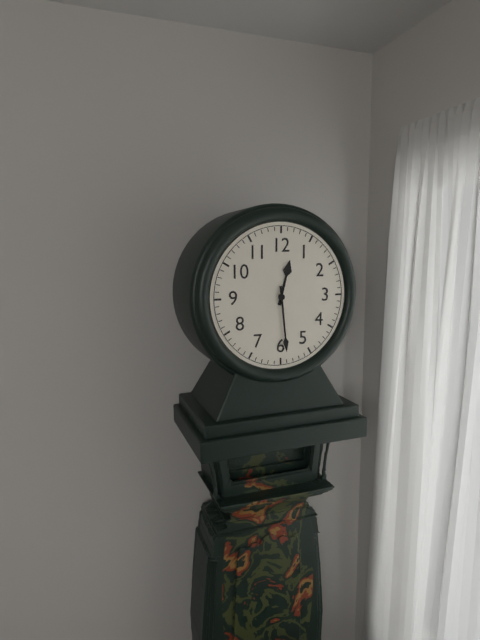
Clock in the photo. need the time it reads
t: 12:29
